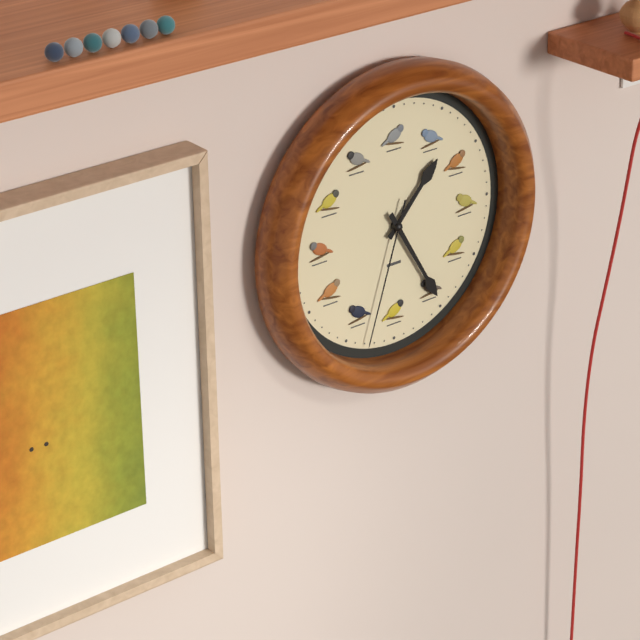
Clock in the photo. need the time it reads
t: 1:25:33
